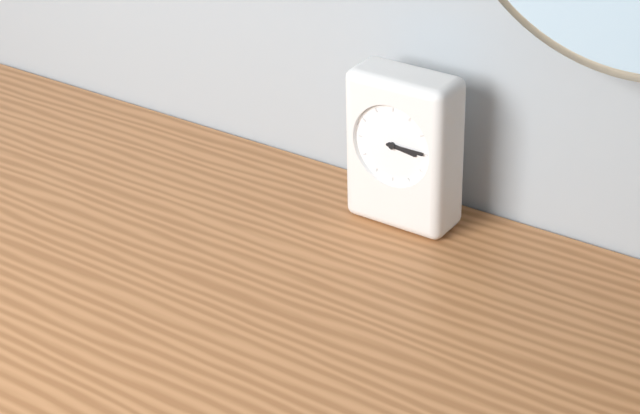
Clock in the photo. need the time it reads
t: 3:15
